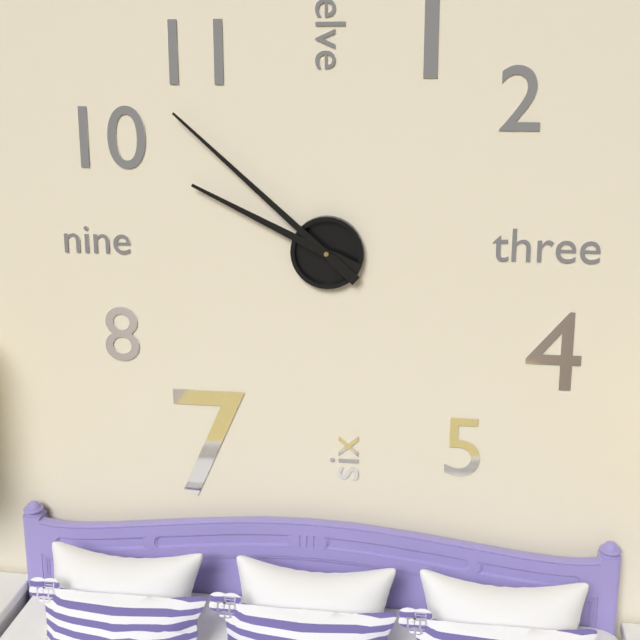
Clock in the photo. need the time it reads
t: 9:52
